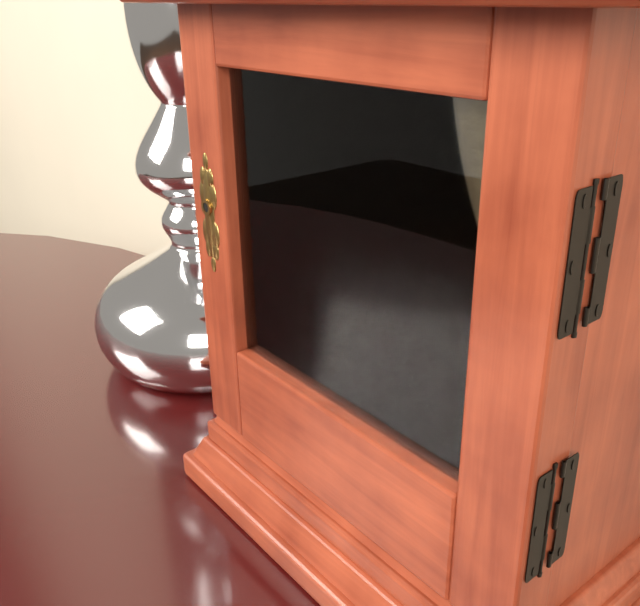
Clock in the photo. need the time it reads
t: 2:22
